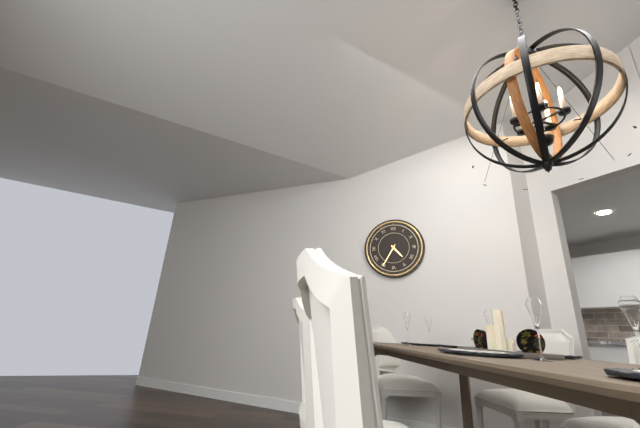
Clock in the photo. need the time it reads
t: 4:35
